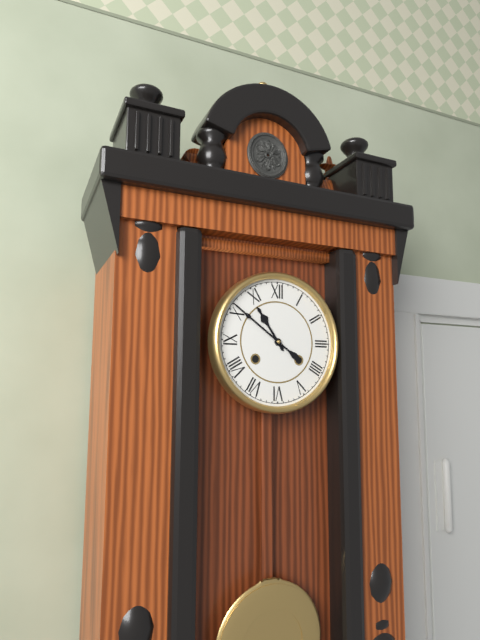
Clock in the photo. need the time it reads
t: 10:51
